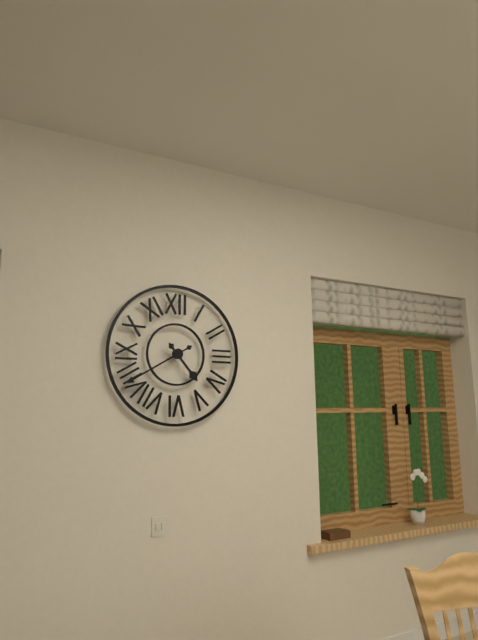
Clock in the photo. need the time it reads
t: 4:40
